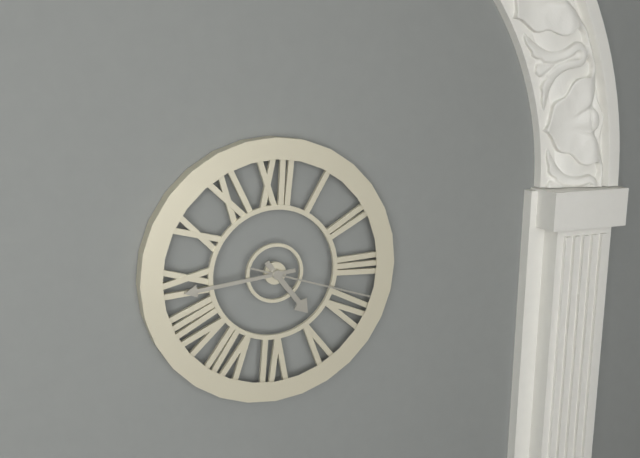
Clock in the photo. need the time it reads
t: 4:44:18
